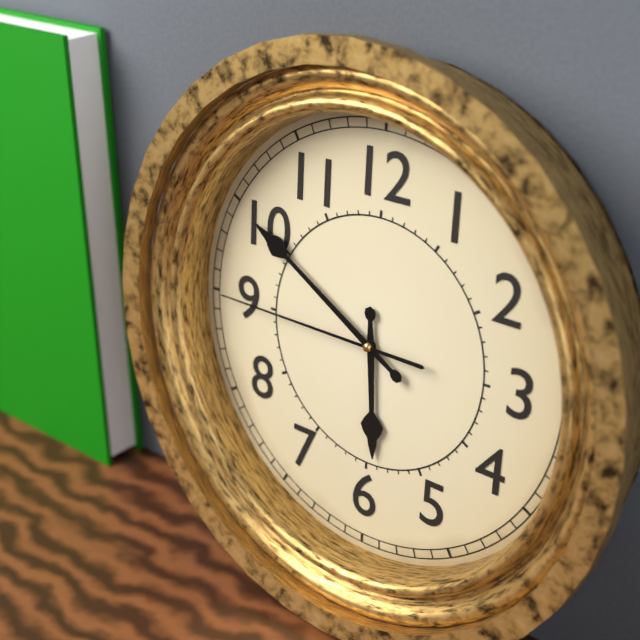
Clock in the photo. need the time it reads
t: 5:50:45
